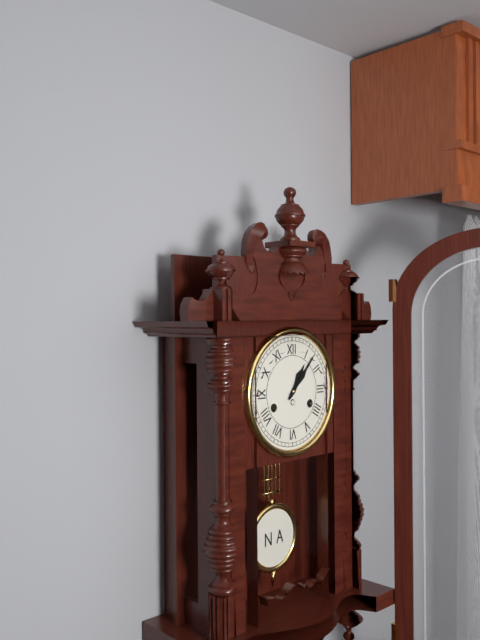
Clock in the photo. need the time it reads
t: 1:07
